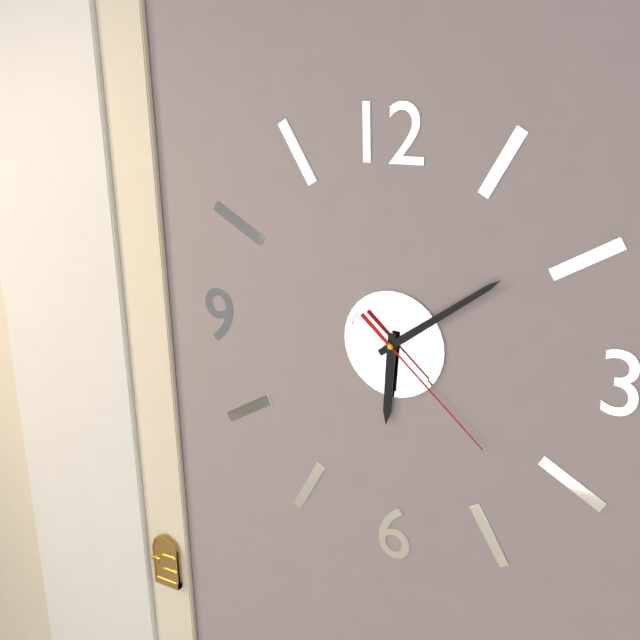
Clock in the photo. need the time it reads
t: 6:09:22
